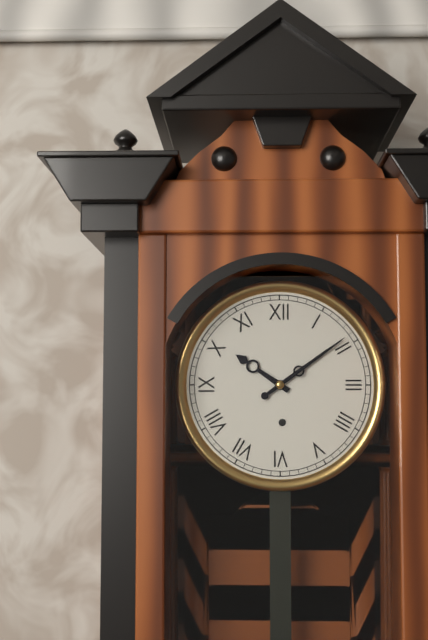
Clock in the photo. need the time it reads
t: 10:09
